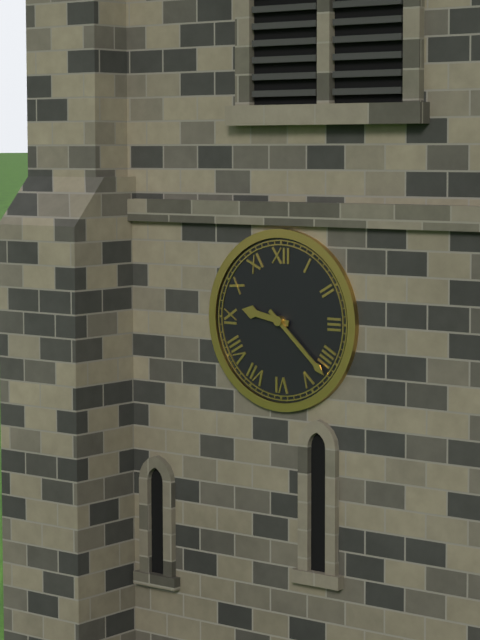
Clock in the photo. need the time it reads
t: 9:22
